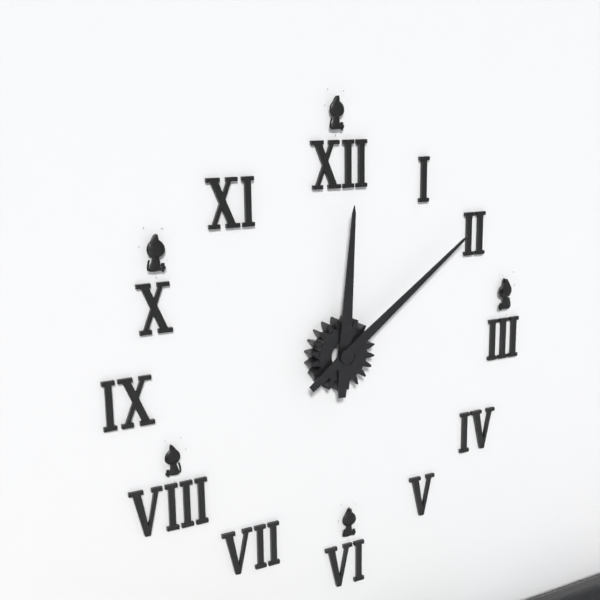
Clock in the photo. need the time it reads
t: 12:09
